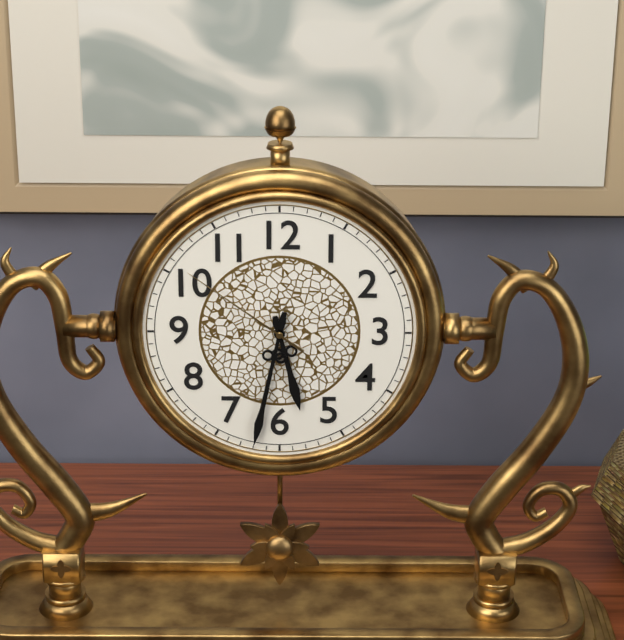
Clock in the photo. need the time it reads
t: 5:32:51
